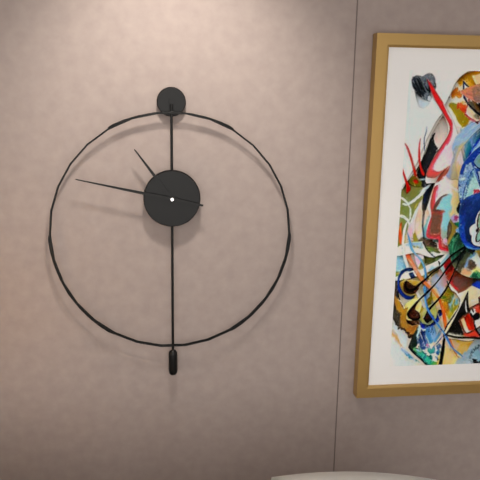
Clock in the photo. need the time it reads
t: 10:47
